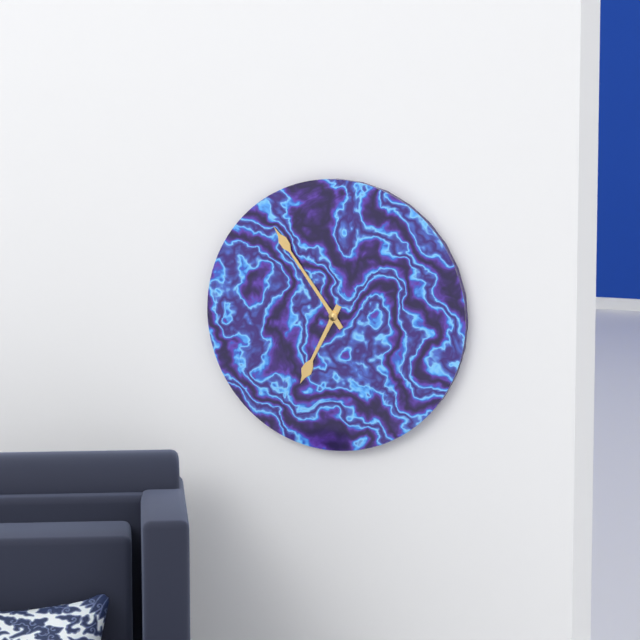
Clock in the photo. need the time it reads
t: 6:54
